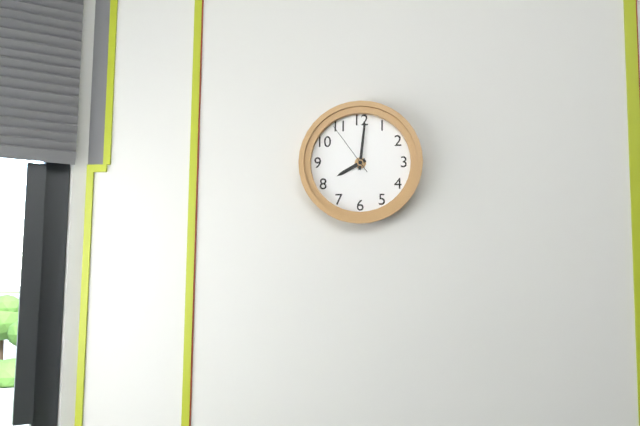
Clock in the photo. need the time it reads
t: 8:01:54
